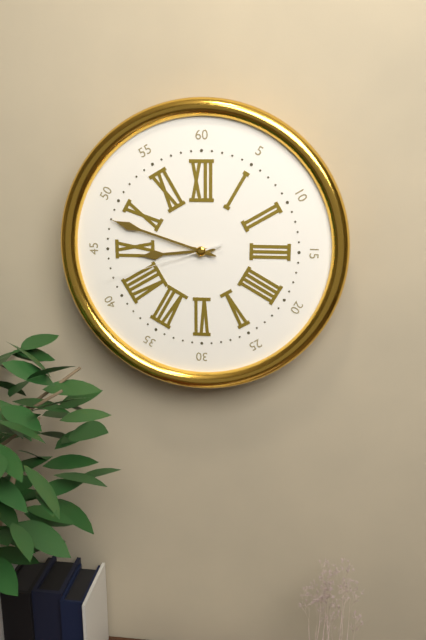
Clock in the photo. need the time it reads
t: 8:48:42
